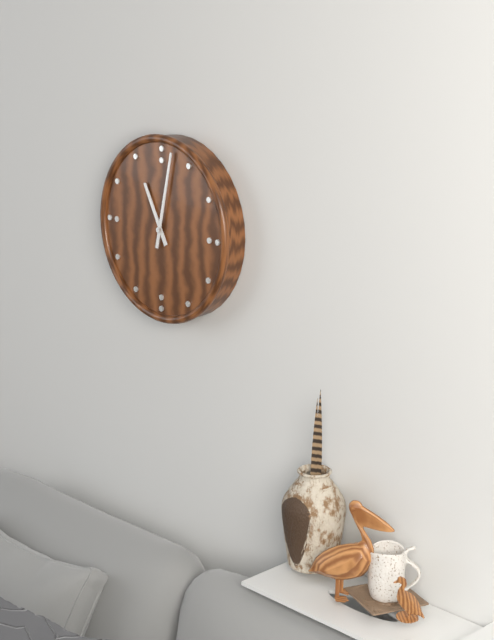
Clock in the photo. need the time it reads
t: 11:02
